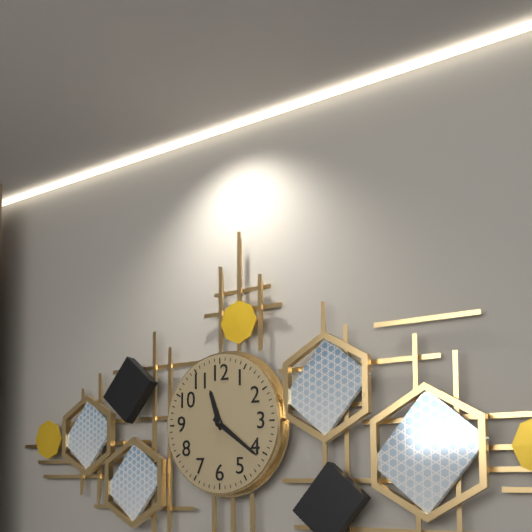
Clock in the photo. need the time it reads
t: 11:21
